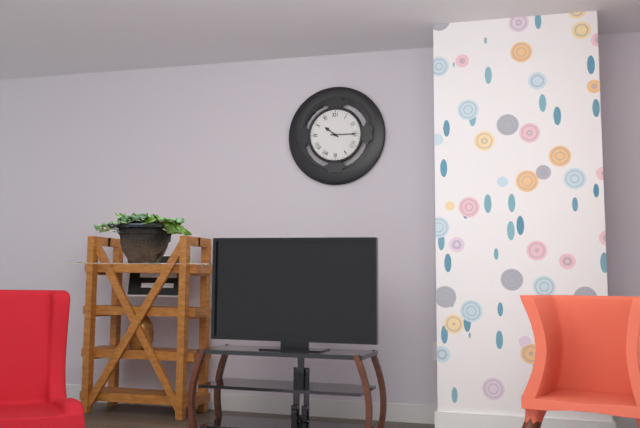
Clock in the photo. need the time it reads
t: 10:15
